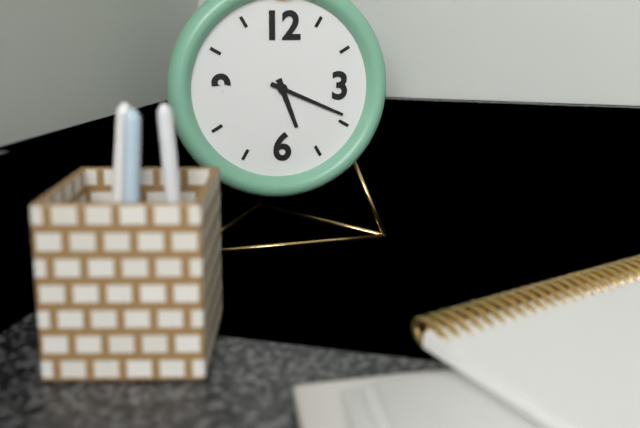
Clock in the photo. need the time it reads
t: 5:19
